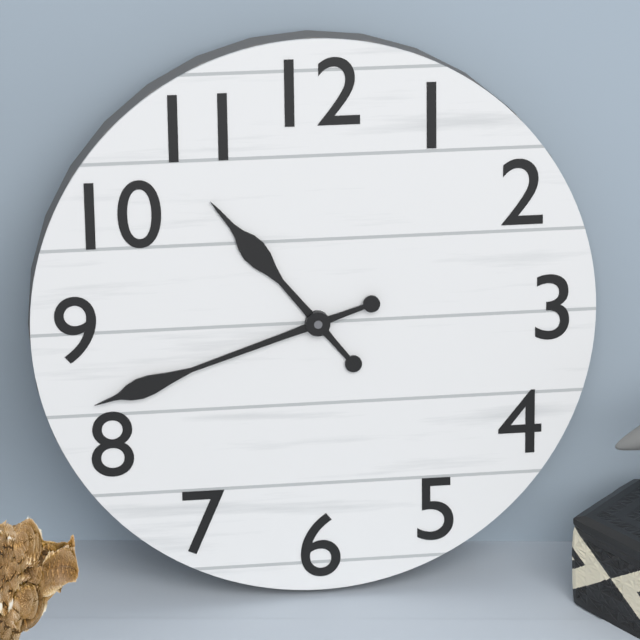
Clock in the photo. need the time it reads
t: 10:42
